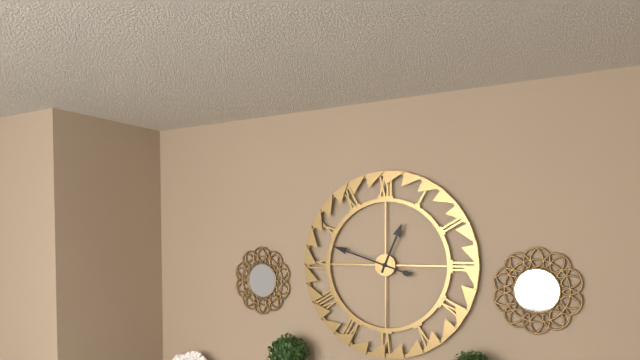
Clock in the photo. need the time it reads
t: 12:48
